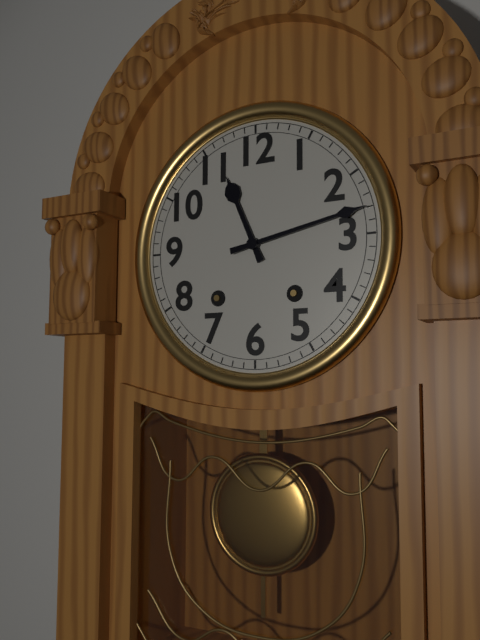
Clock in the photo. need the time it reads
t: 11:13
